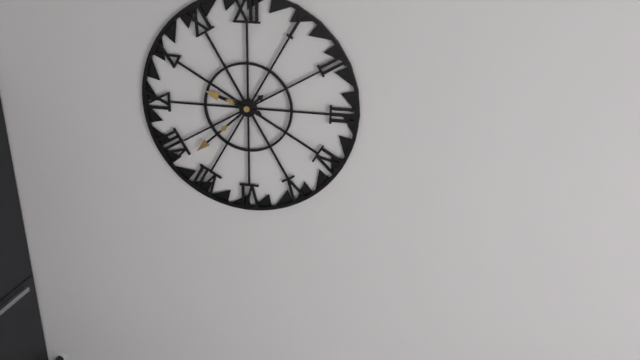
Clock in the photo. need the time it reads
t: 9:38
